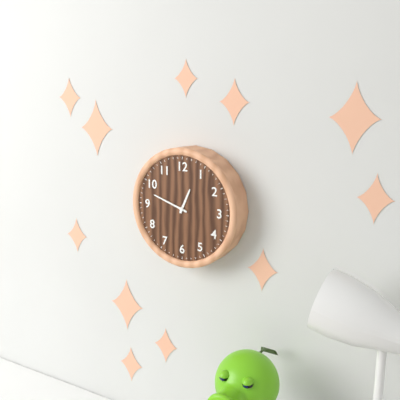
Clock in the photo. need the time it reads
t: 12:48
